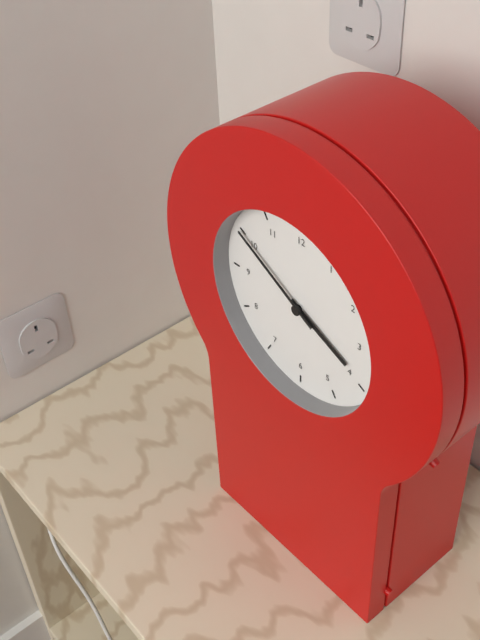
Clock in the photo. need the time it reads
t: 3:50
